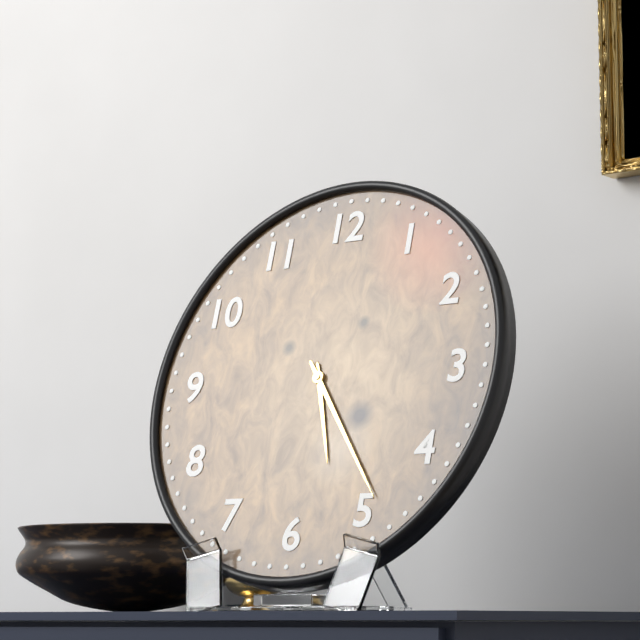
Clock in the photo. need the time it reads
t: 5:24
